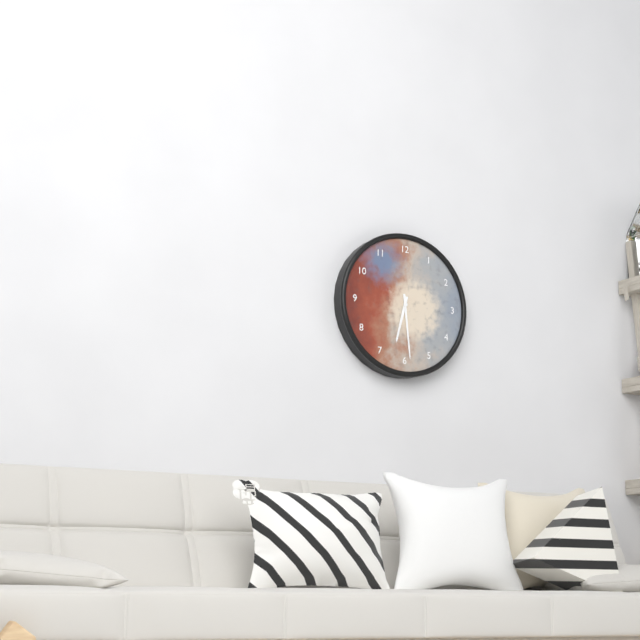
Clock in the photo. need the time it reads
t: 6:29
